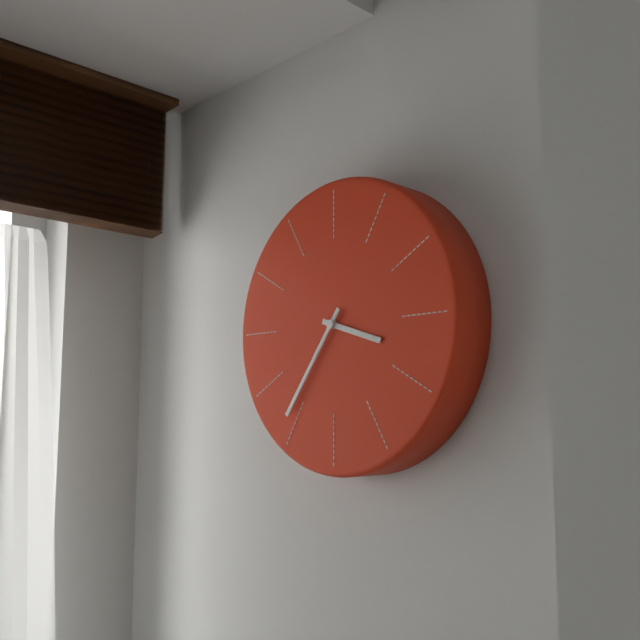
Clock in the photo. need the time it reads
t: 3:36
